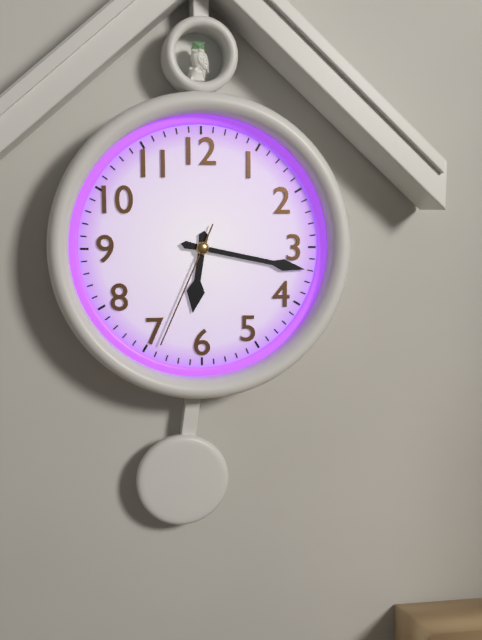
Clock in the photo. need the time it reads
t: 6:17:34
